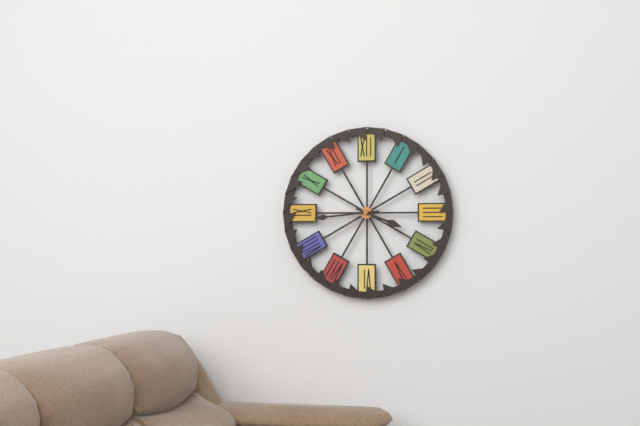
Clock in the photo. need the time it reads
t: 3:44
